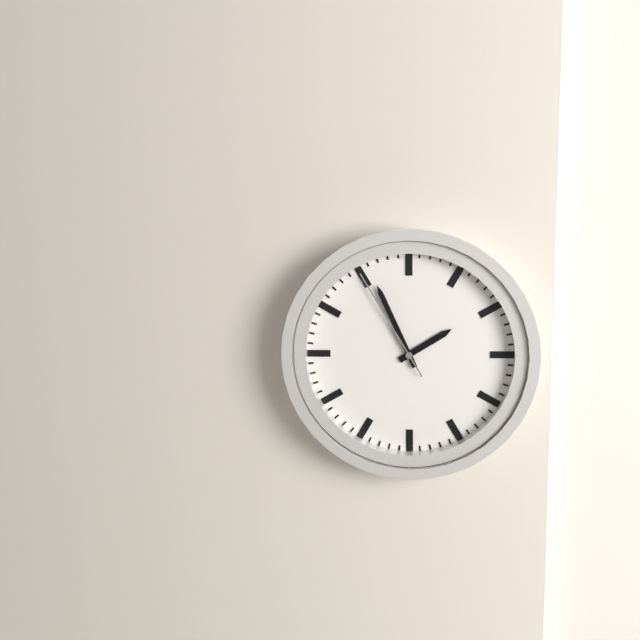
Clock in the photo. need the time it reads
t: 1:56:55
